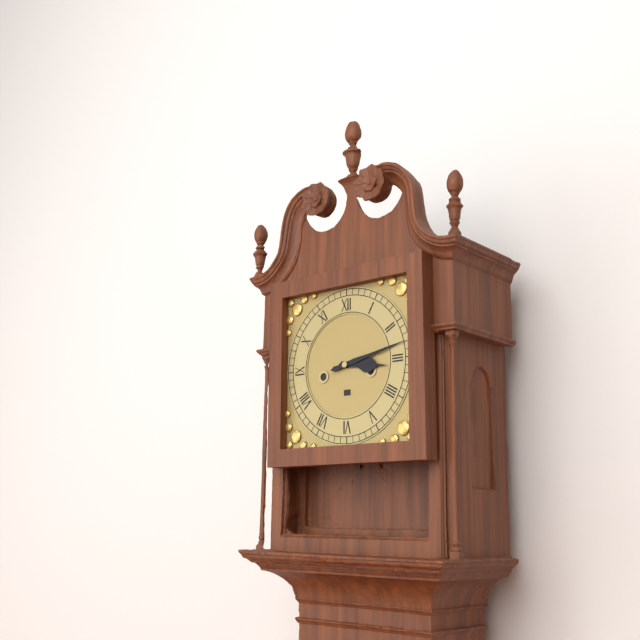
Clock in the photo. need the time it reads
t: 3:13
